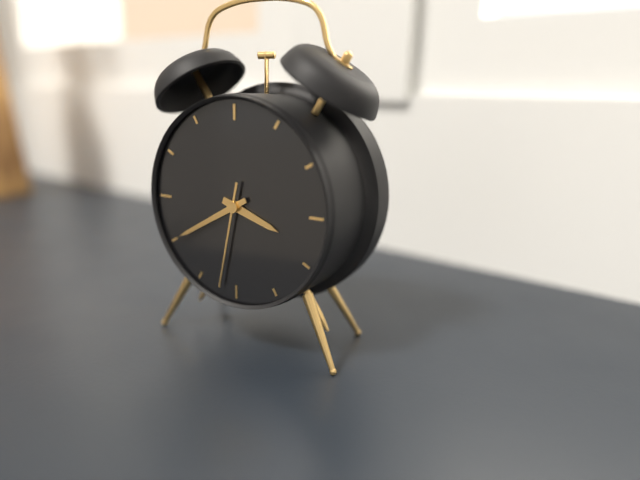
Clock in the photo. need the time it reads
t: 3:40:32
